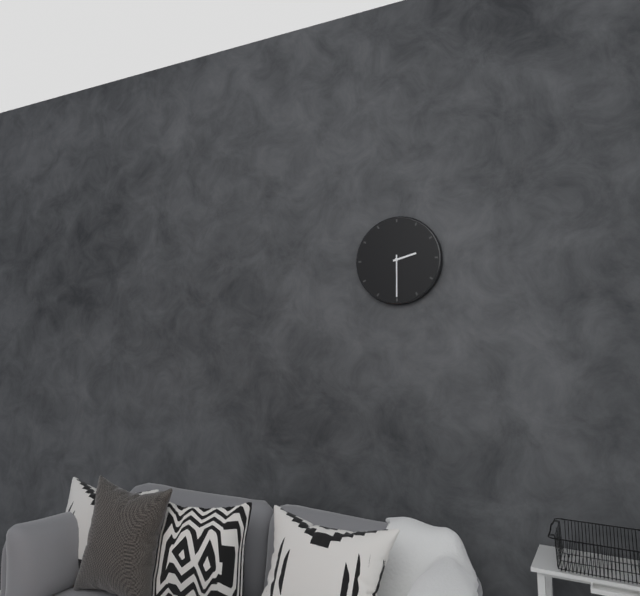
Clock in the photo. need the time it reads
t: 2:30
